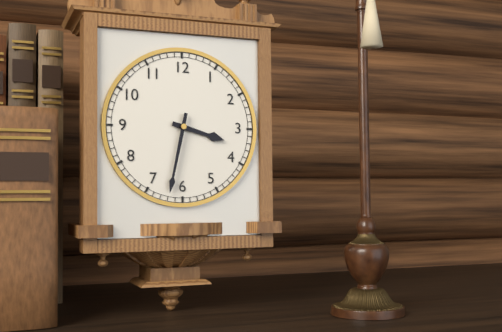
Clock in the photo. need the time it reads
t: 3:32
